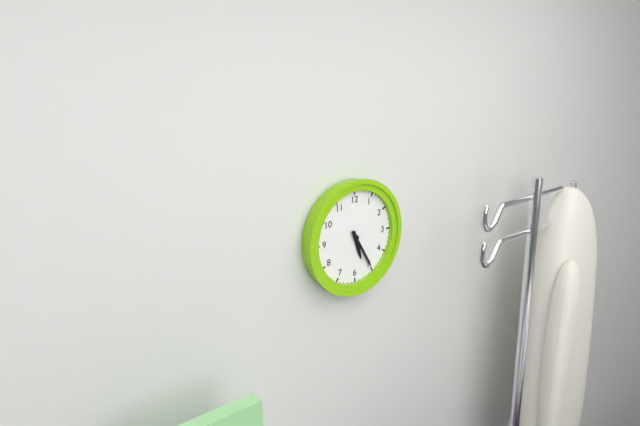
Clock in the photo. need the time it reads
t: 5:25
